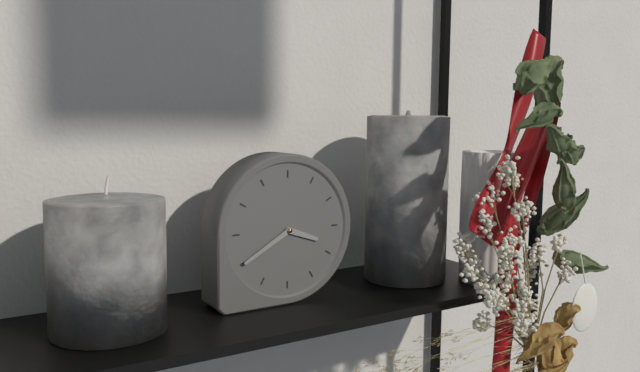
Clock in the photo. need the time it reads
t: 3:40
